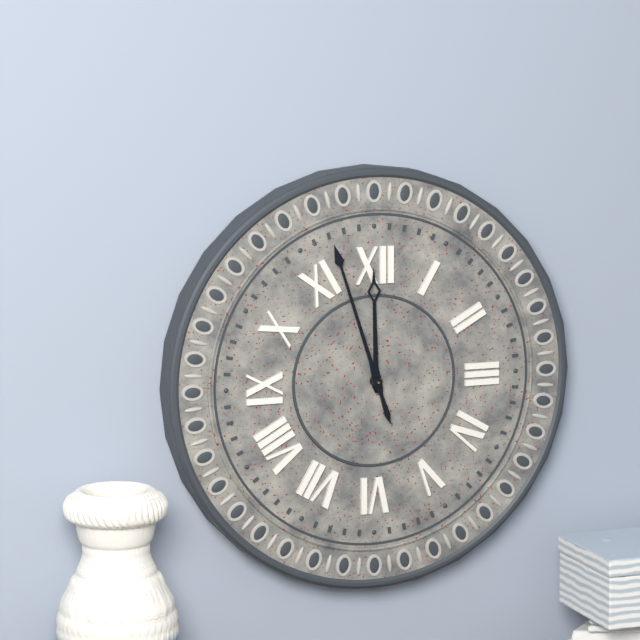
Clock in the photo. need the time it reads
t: 11:57
